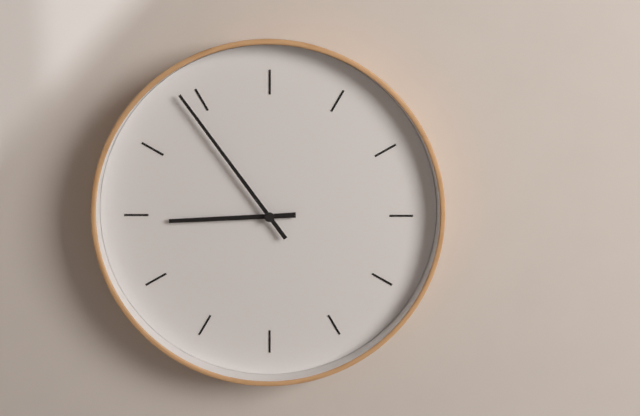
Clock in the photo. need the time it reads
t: 8:54
